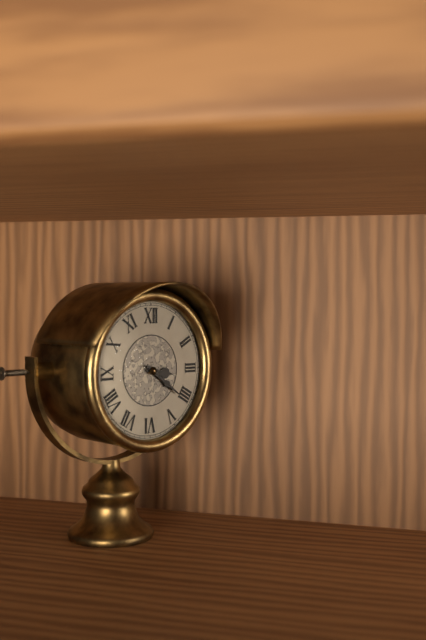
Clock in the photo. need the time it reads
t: 3:21
